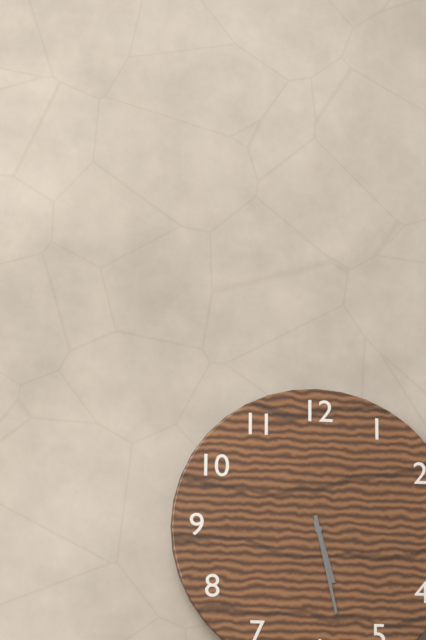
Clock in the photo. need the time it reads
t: 5:28
